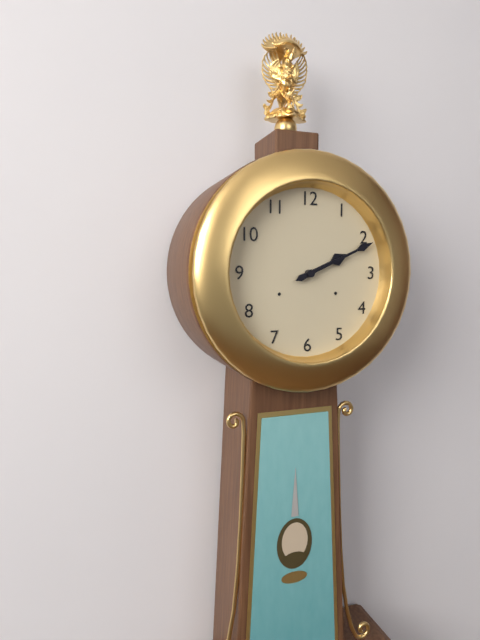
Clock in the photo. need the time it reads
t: 2:11
